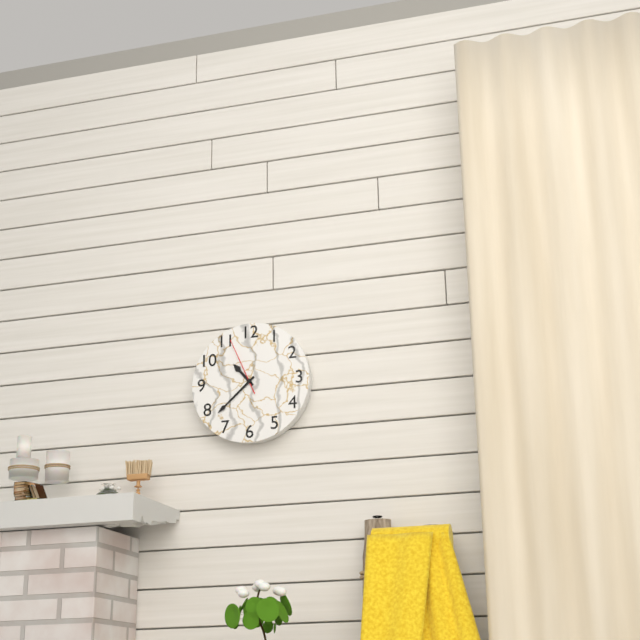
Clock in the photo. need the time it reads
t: 10:38:56
